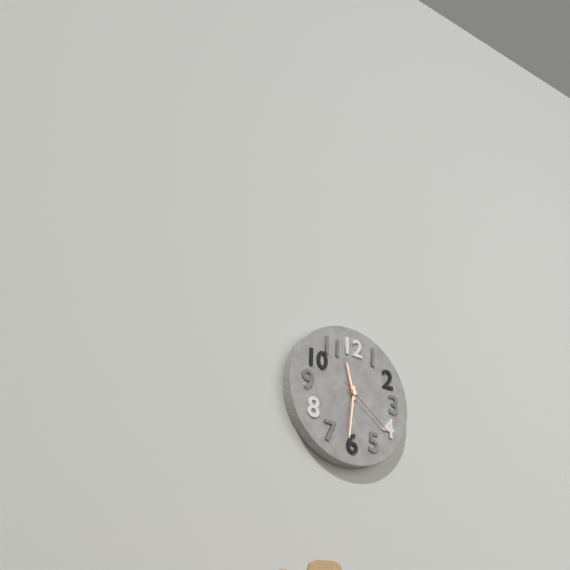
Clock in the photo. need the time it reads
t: 11:31:21
